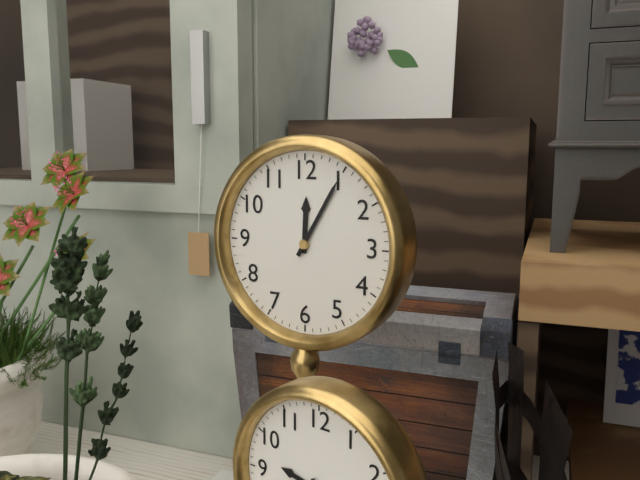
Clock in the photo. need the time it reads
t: 12:05
